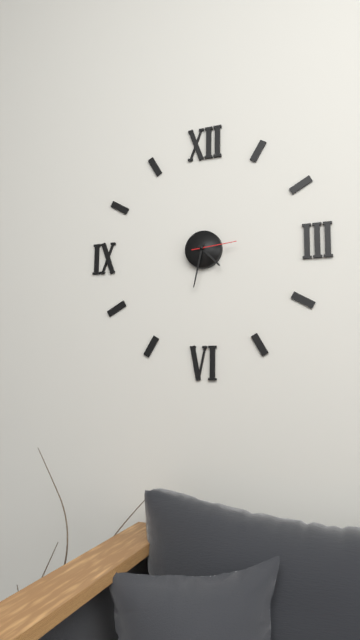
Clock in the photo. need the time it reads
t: 4:32
